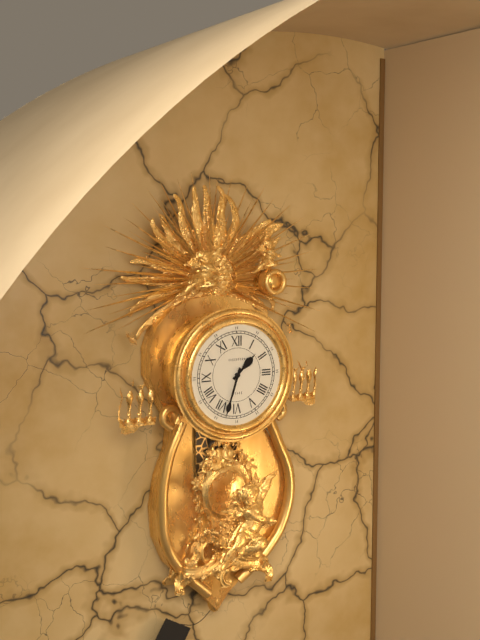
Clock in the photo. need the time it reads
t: 1:33
